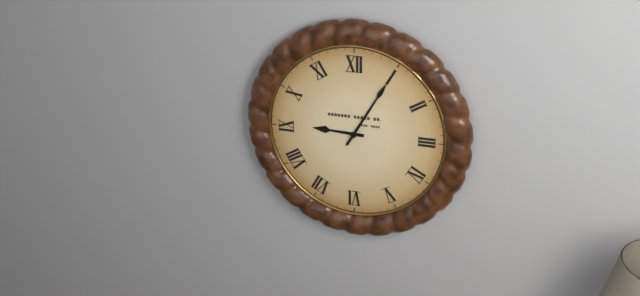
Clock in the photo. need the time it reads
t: 9:05
